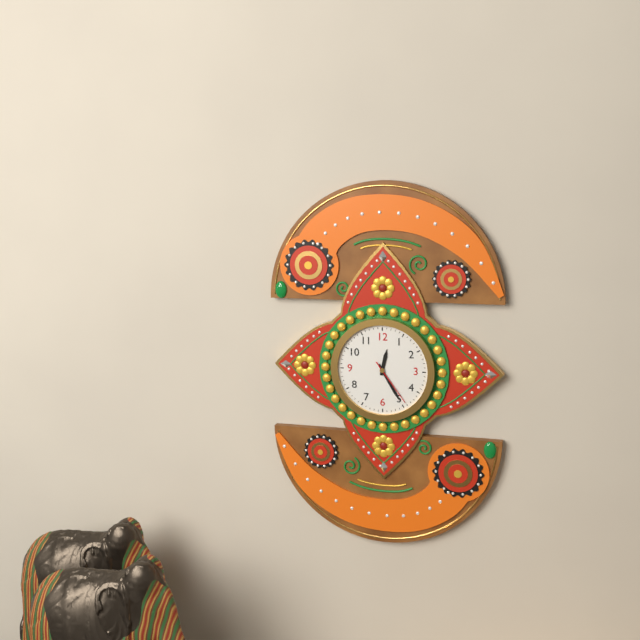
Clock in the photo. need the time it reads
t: 12:25:24
